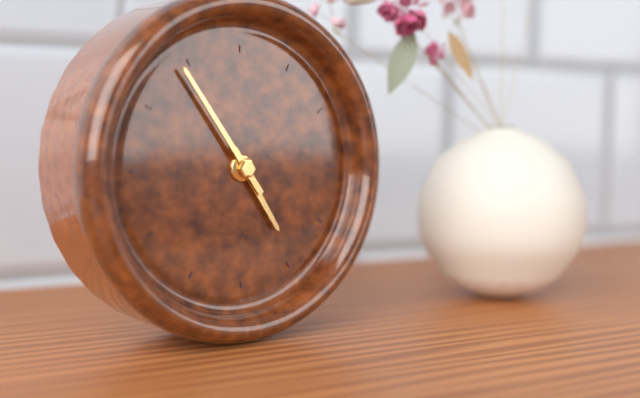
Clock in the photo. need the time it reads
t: 4:54
